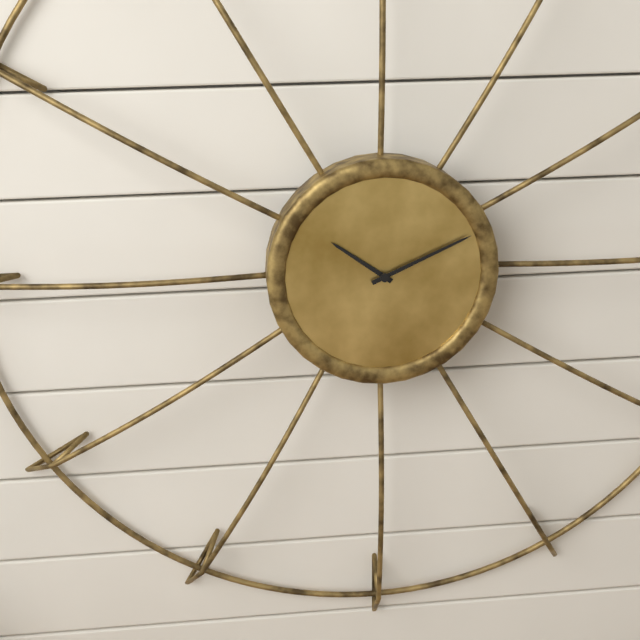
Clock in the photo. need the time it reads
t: 10:11
